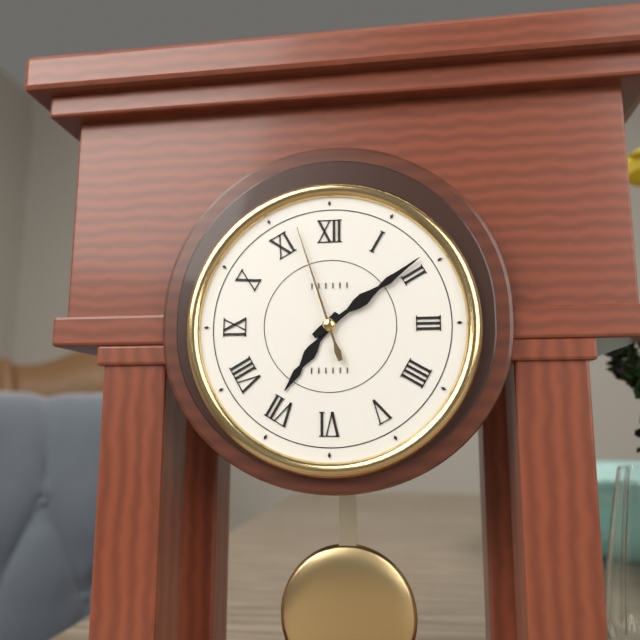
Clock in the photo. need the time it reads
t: 7:09:57
